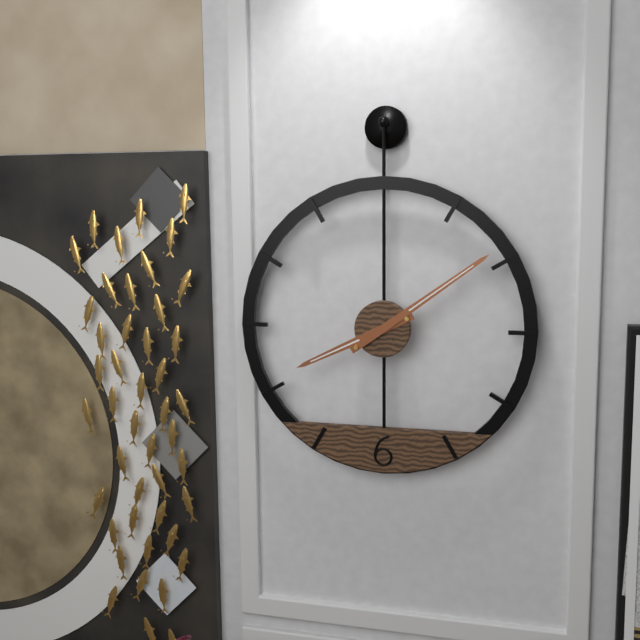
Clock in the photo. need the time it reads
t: 8:09
